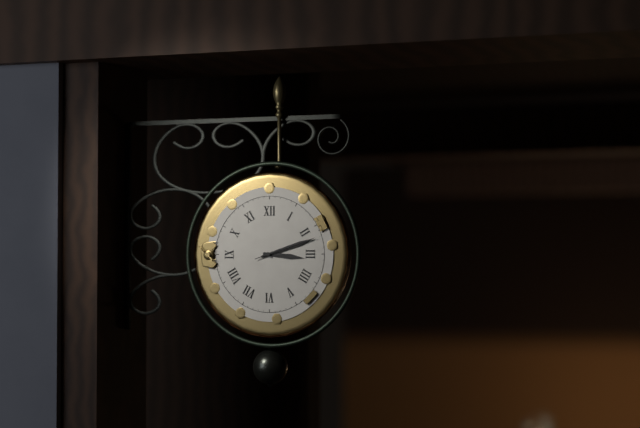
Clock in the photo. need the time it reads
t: 3:12:12
